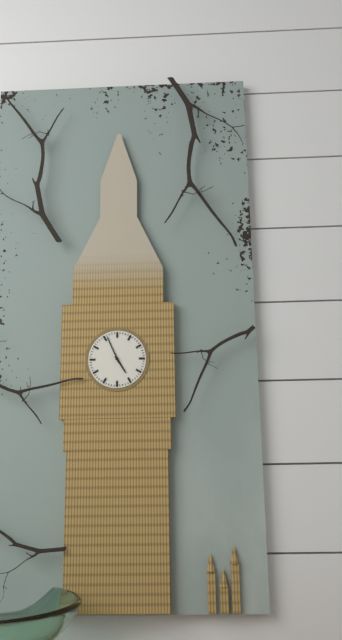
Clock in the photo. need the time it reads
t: 4:56
